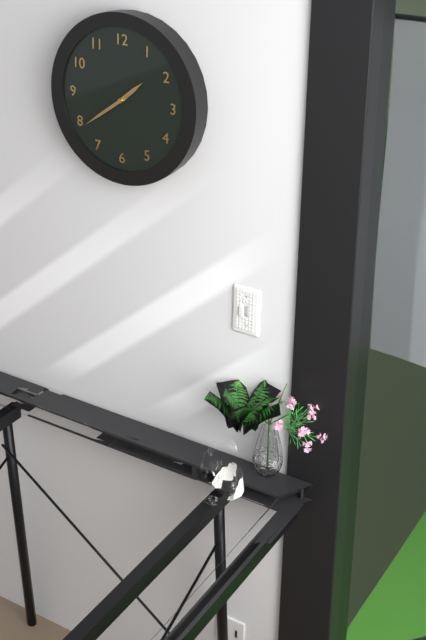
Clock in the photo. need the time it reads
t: 1:39
